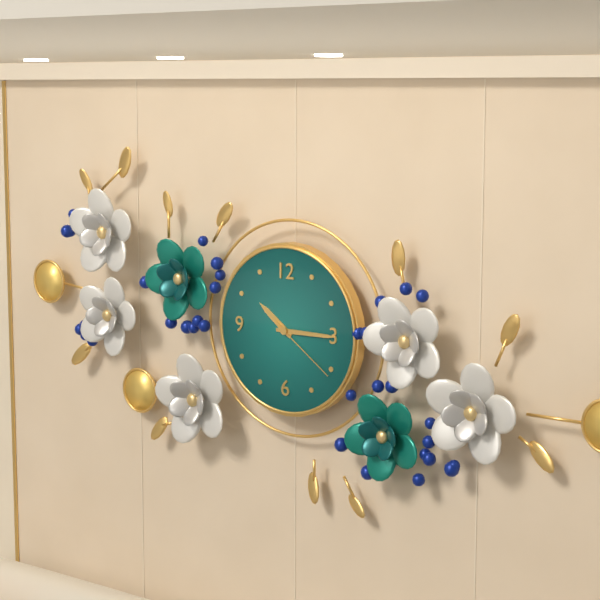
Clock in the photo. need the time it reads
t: 10:15:21
